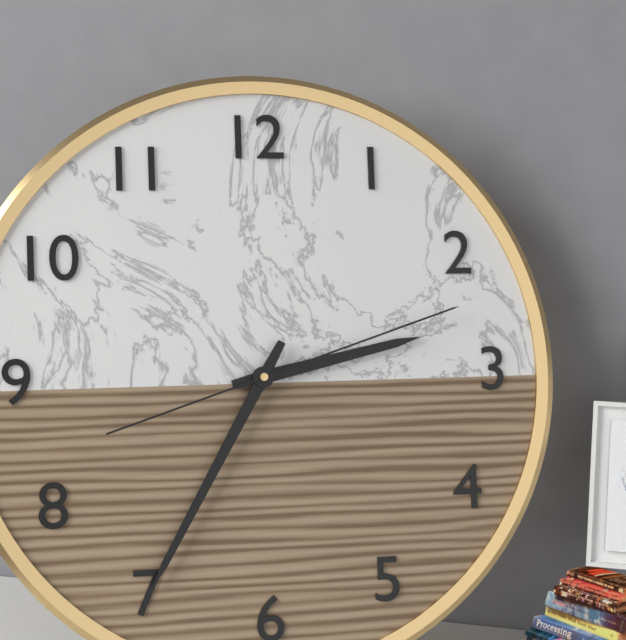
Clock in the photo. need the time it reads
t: 2:35:12
